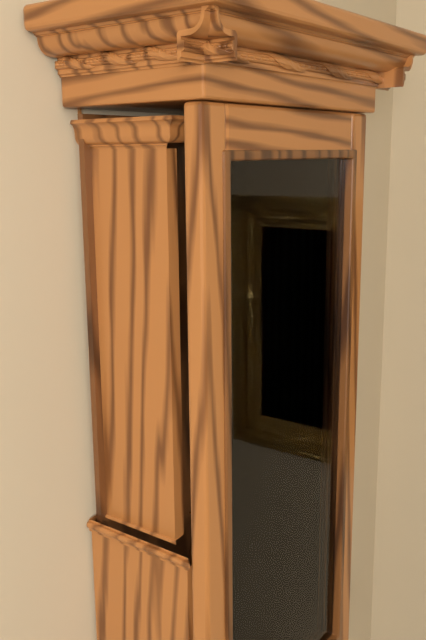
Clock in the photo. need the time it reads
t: 2:14
